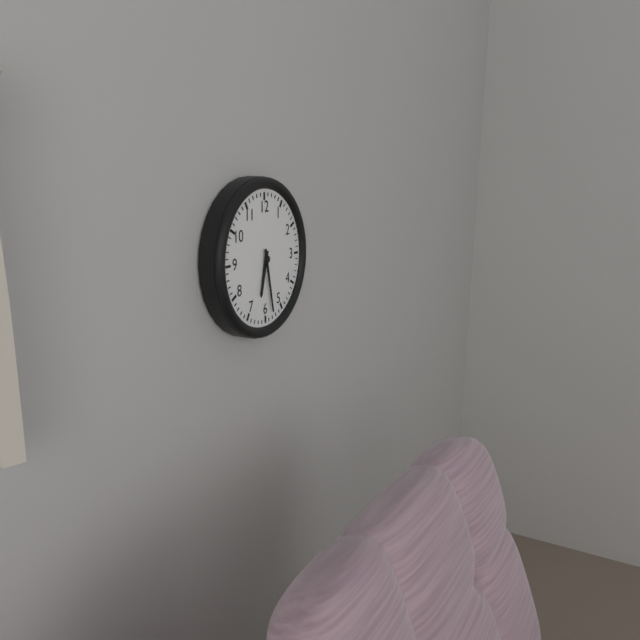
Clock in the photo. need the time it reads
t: 6:28
